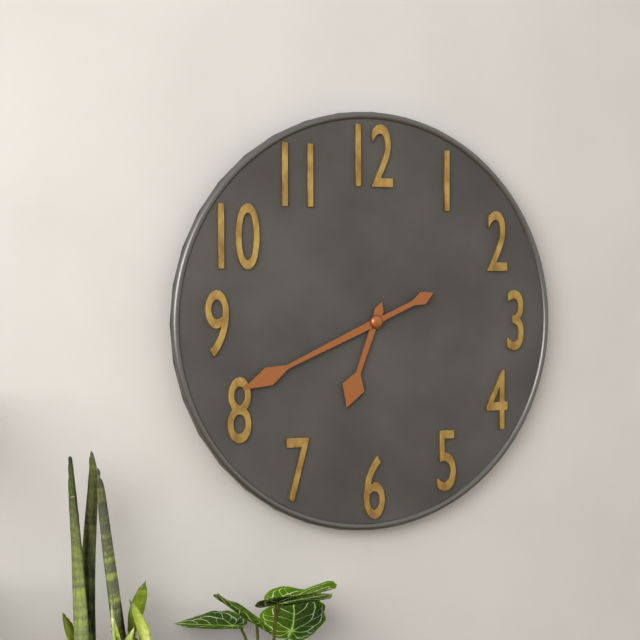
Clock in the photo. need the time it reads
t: 6:41
